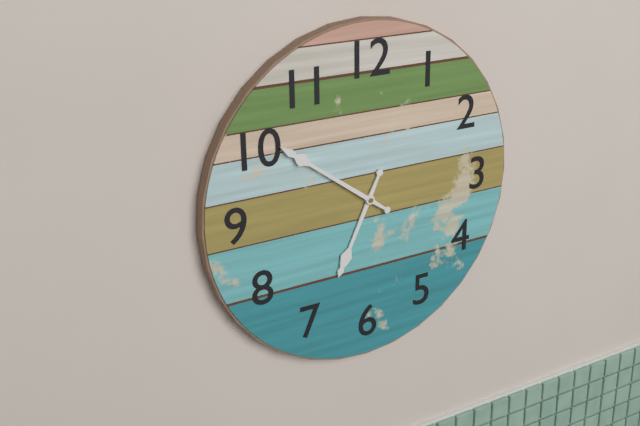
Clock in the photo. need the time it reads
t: 6:51
